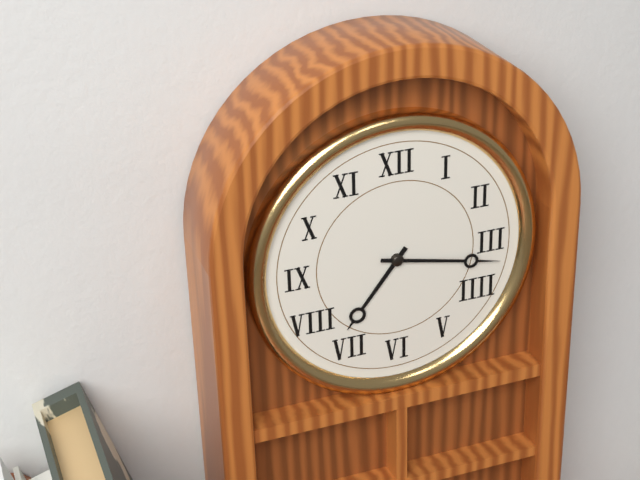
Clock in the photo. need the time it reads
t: 7:17
